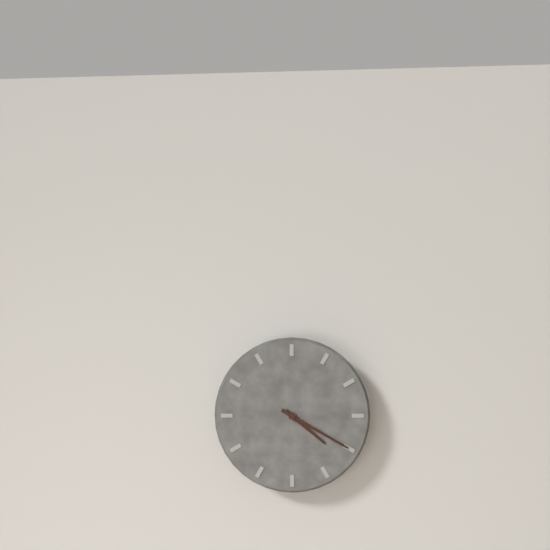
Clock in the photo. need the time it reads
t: 4:20
